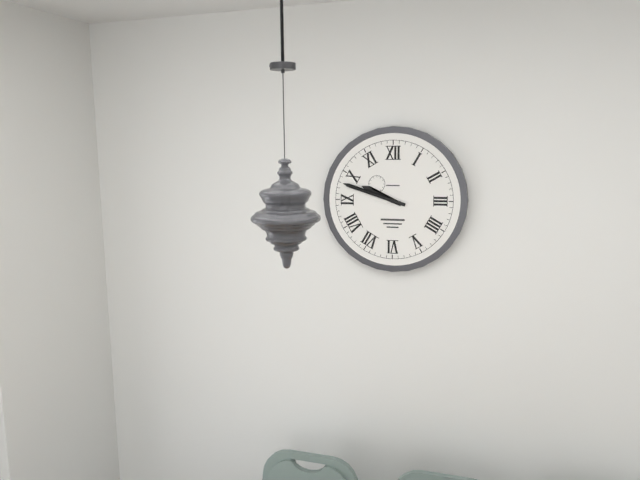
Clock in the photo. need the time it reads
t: 9:48
